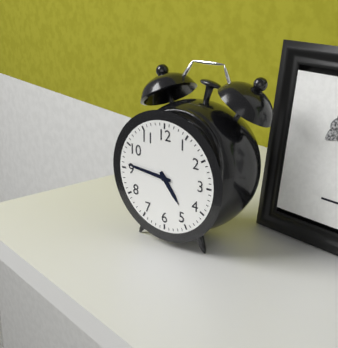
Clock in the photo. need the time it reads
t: 4:46
